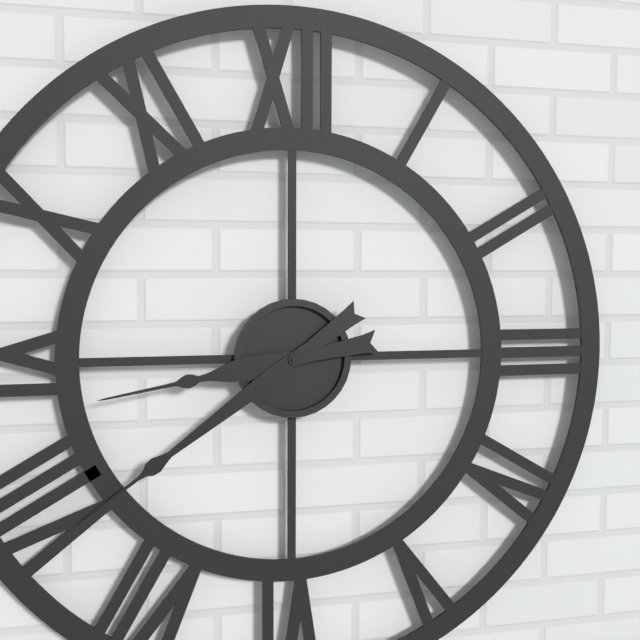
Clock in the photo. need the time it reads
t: 8:39
